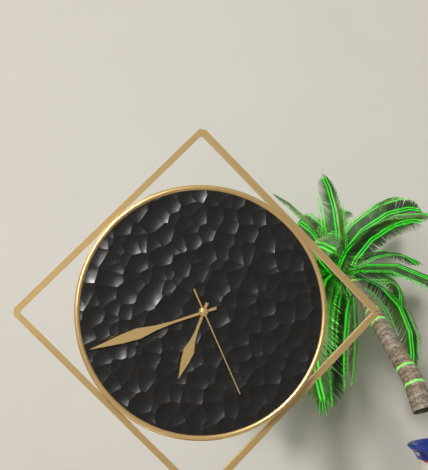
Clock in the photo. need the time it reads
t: 6:42:26
